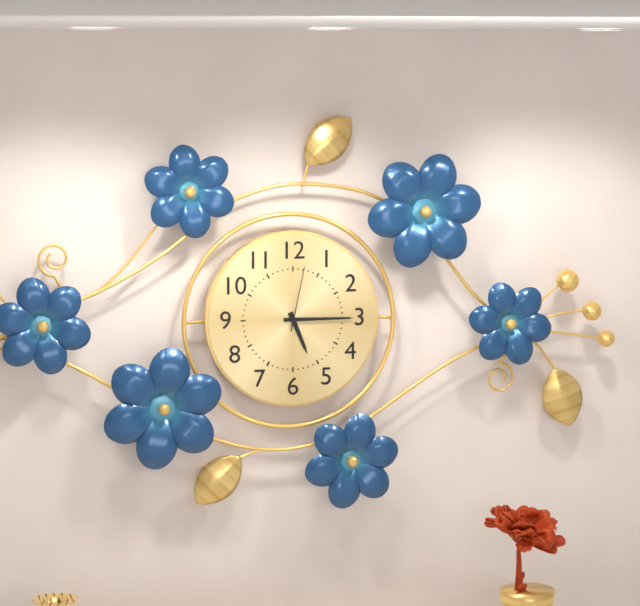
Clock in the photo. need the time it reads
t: 5:15:02
